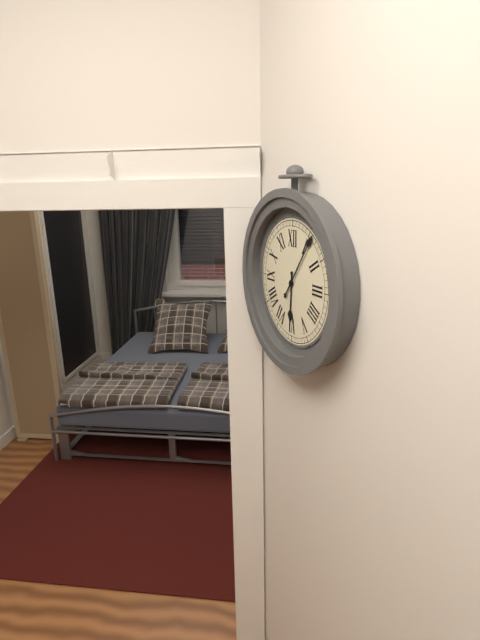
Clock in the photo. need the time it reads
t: 6:06
